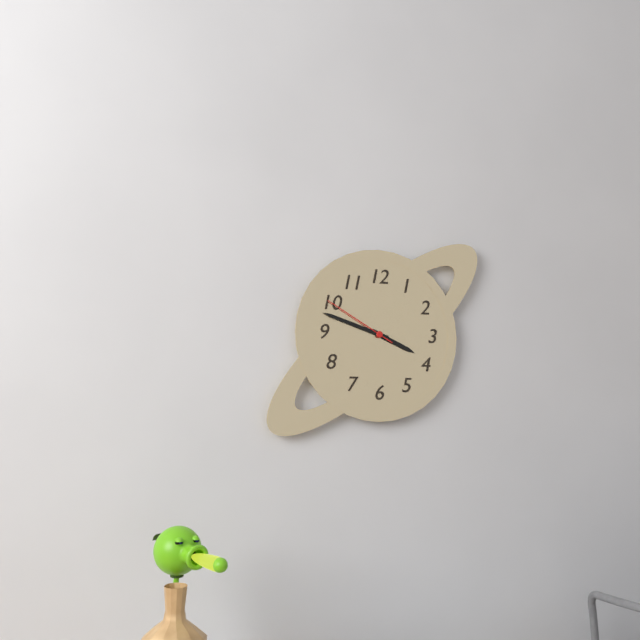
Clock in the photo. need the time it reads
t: 3:48:50
